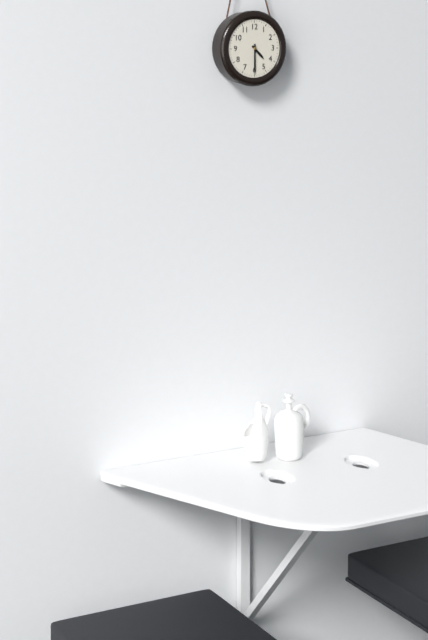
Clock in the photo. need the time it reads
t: 4:30
